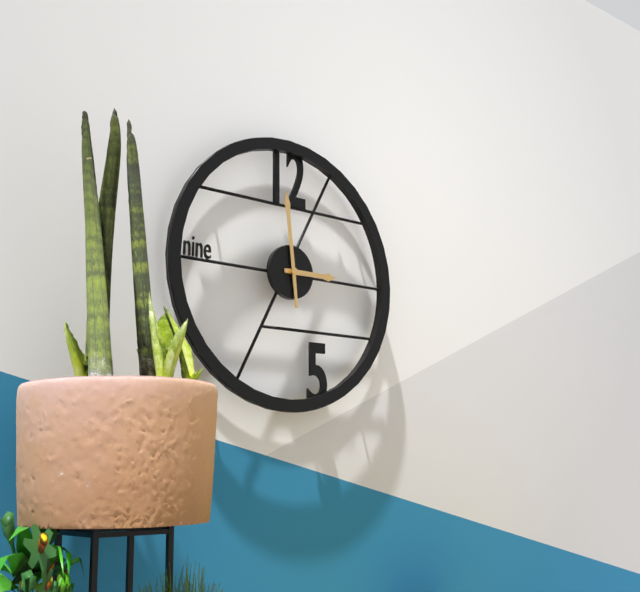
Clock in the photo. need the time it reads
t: 2:59
